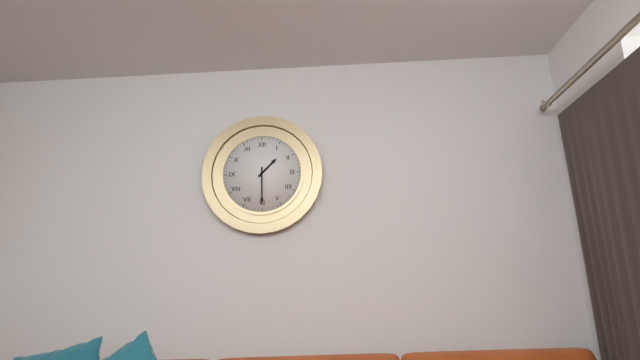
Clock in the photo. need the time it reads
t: 1:30
